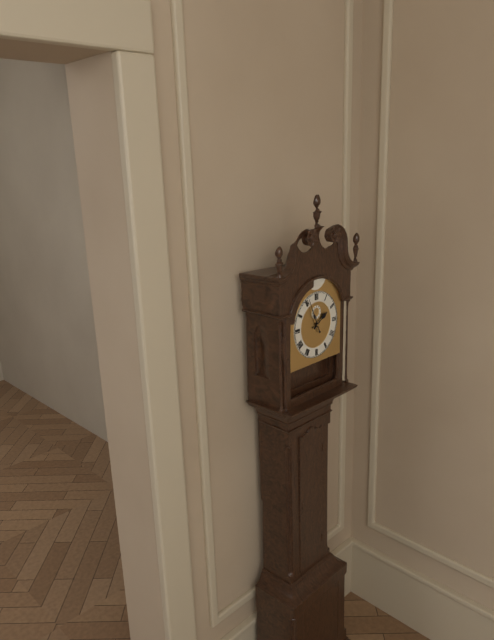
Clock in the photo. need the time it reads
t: 1:56
